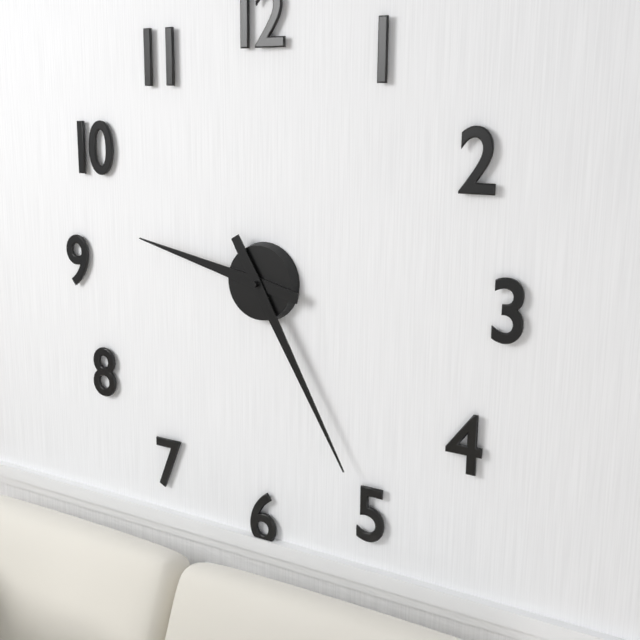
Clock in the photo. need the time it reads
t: 9:25
